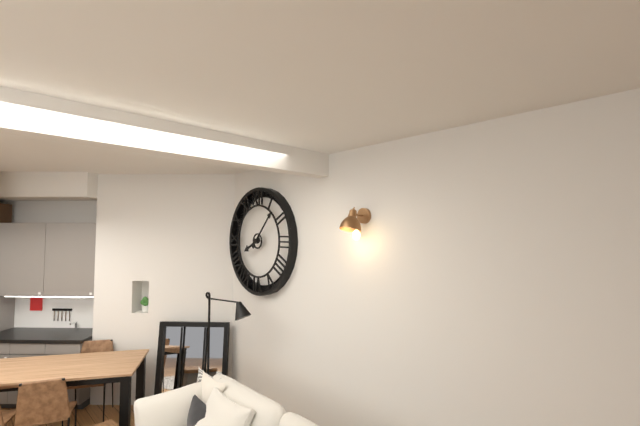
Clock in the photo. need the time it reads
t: 8:07
